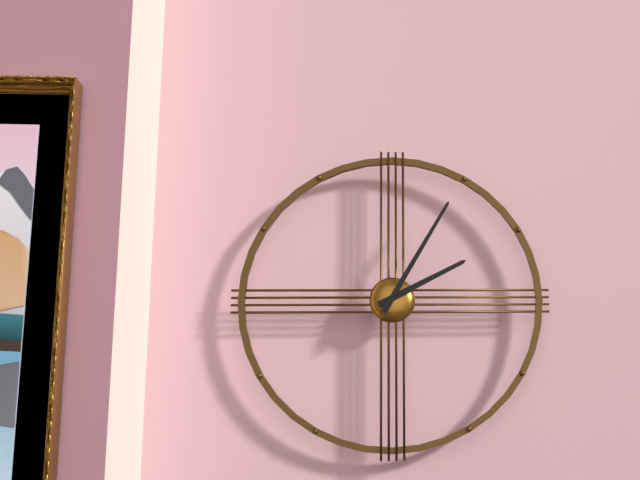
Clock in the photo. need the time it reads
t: 2:05
